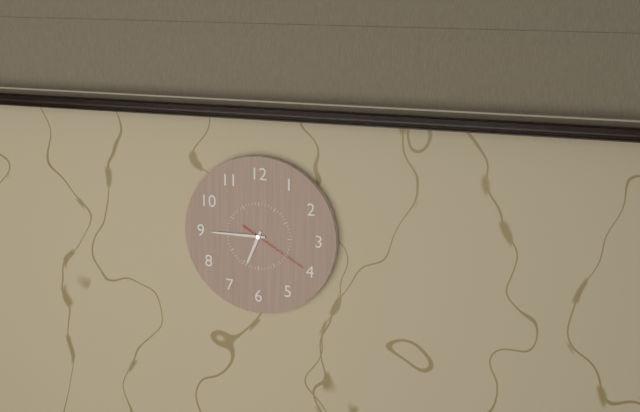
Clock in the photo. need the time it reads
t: 6:45:20
